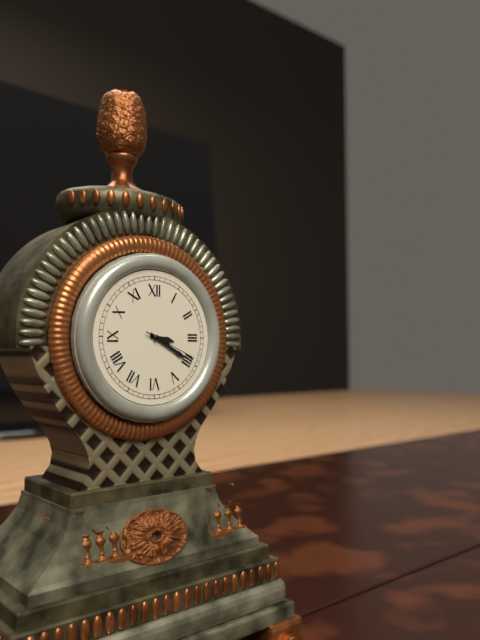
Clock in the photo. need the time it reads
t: 3:20:19
